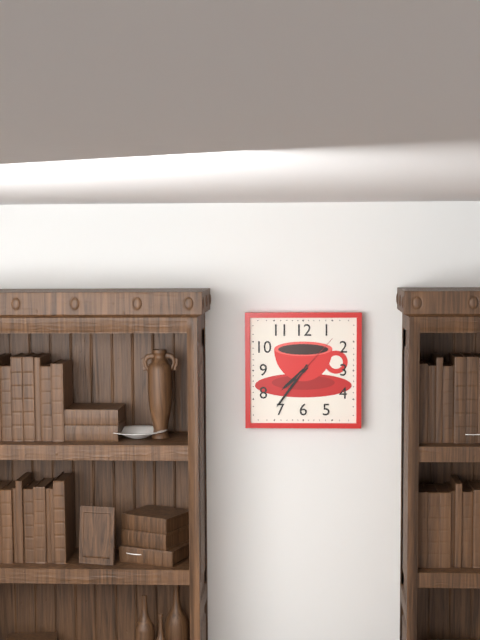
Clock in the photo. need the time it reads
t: 7:36:07
